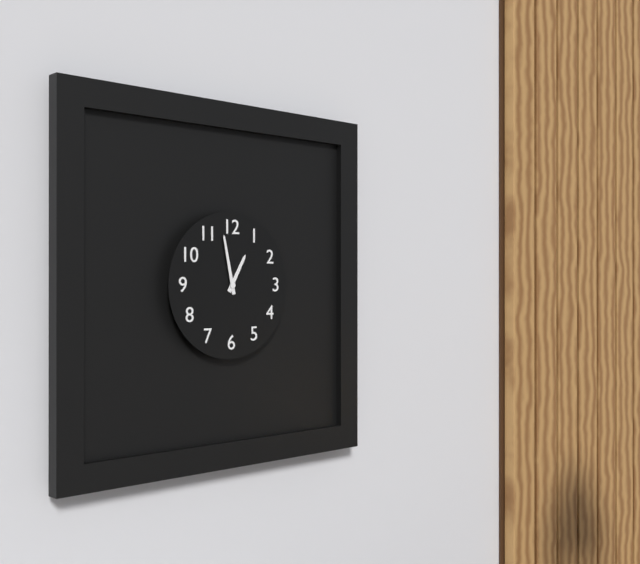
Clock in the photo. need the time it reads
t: 12:58
